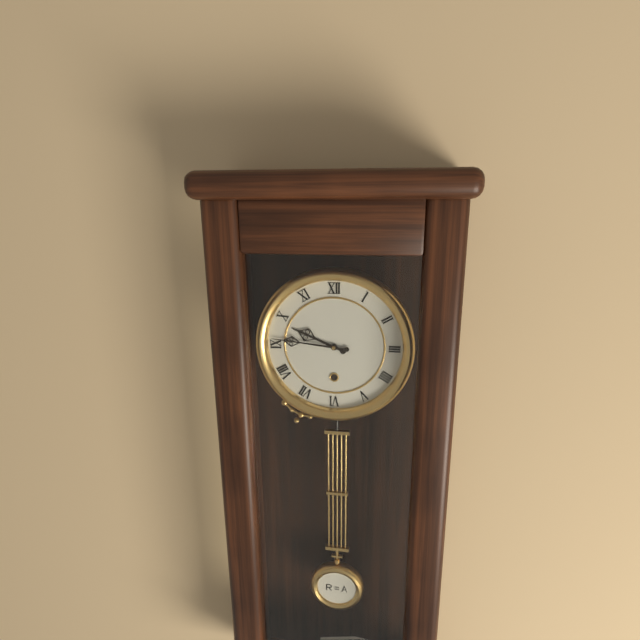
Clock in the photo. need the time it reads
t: 9:46
